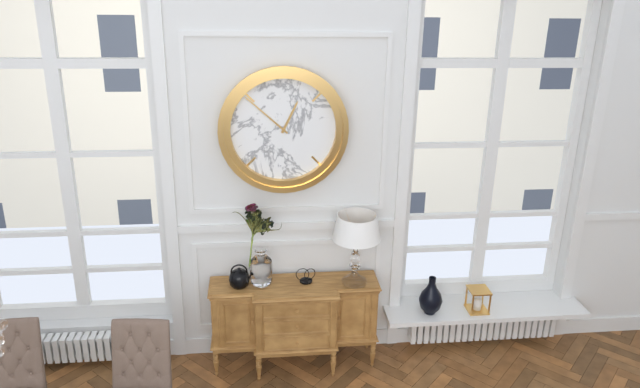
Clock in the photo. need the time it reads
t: 12:52
